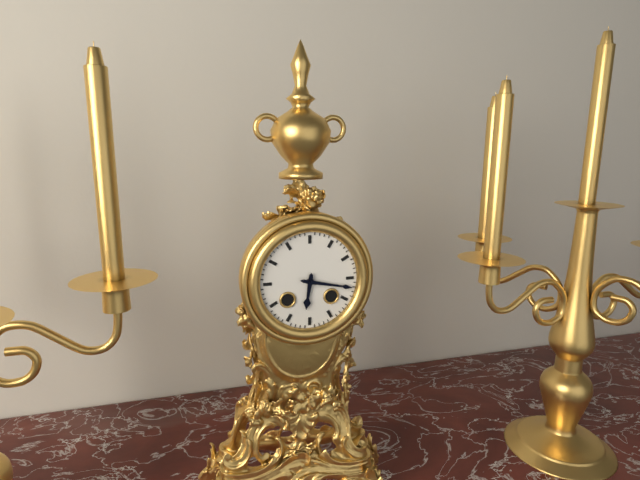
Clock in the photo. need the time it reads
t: 6:17
